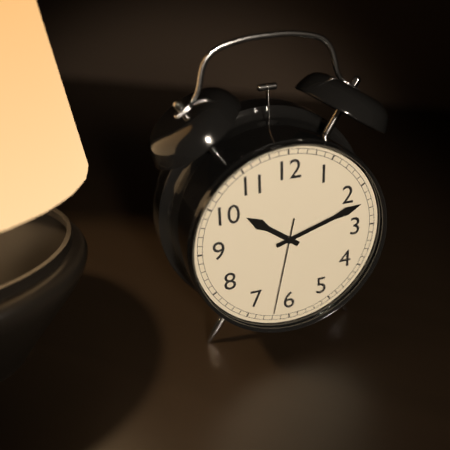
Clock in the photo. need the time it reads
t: 10:12:32
